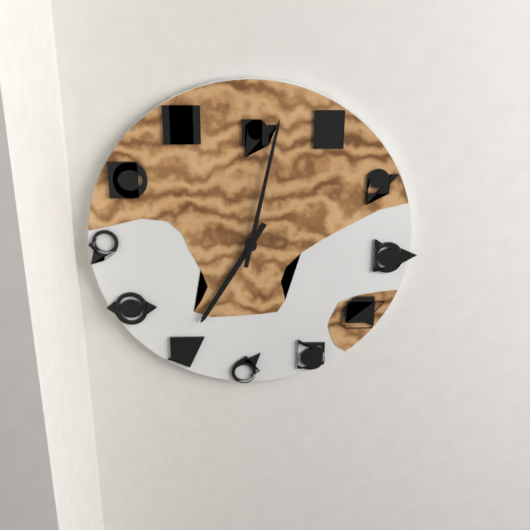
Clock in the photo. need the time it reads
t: 7:02
